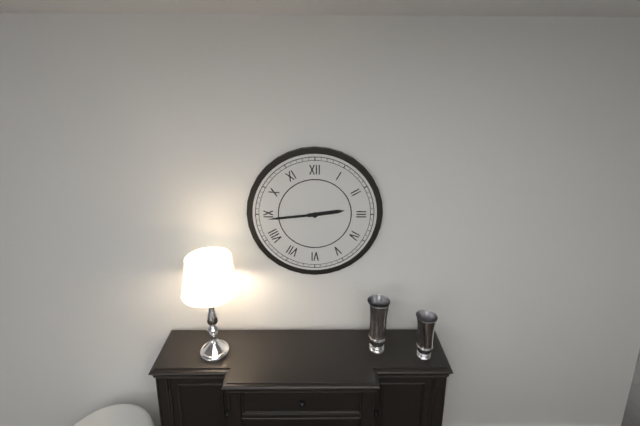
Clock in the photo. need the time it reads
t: 2:44
